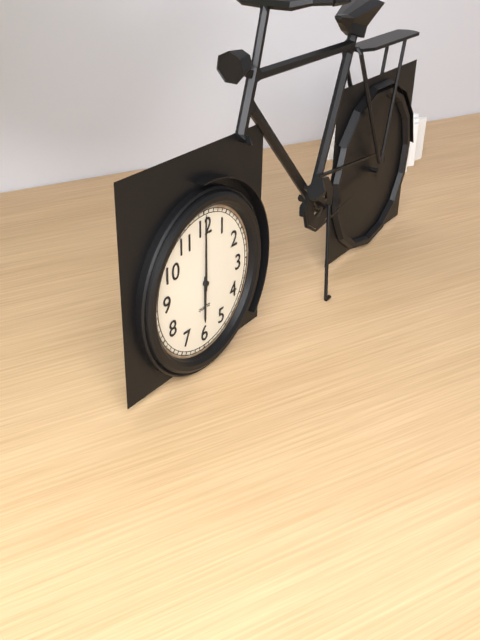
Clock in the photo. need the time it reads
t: 6:00
